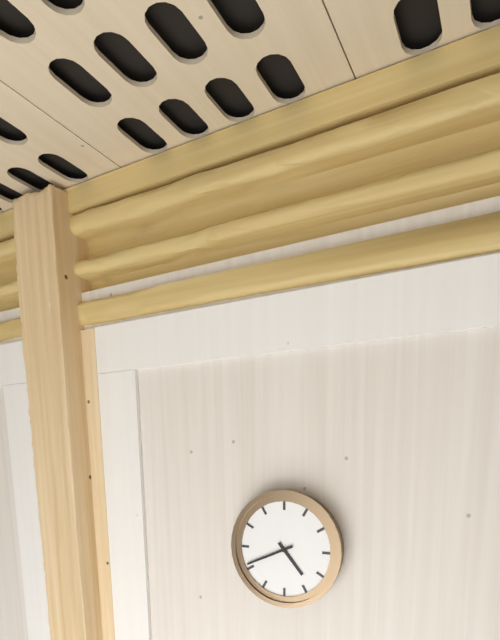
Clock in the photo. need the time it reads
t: 4:41
